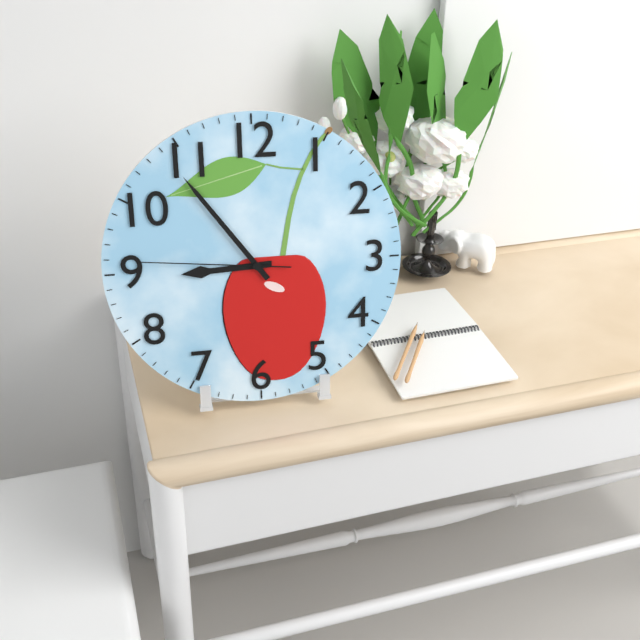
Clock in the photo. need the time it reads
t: 8:54:46
